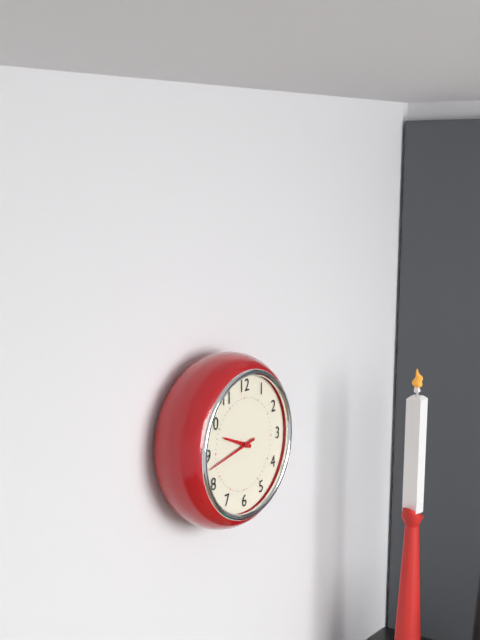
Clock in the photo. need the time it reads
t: 9:43
